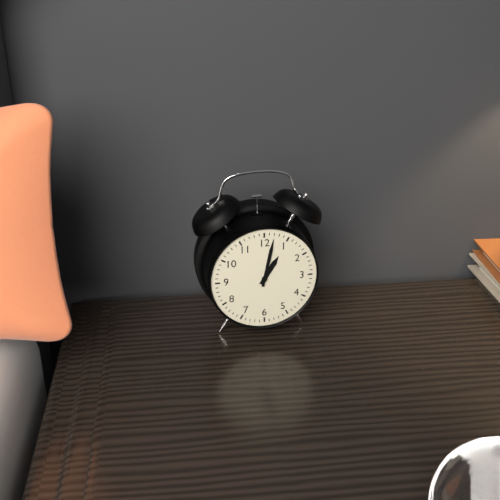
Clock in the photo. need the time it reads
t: 1:02
